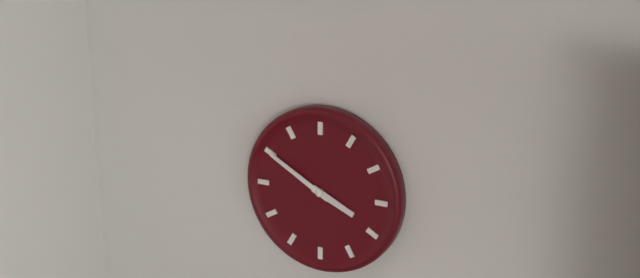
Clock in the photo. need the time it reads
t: 3:50
